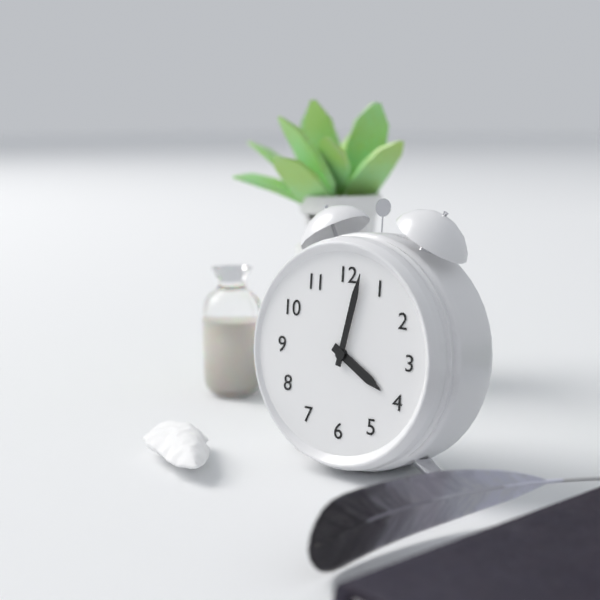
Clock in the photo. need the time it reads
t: 4:02
